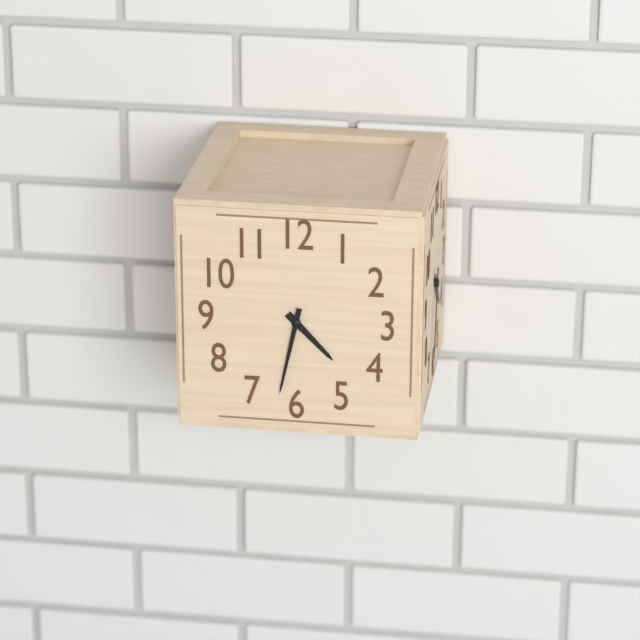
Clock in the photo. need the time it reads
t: 4:32
